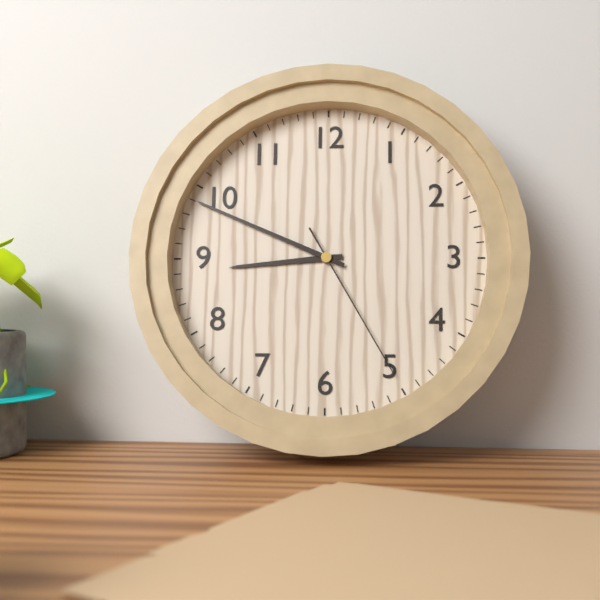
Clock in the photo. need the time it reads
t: 8:49:25
